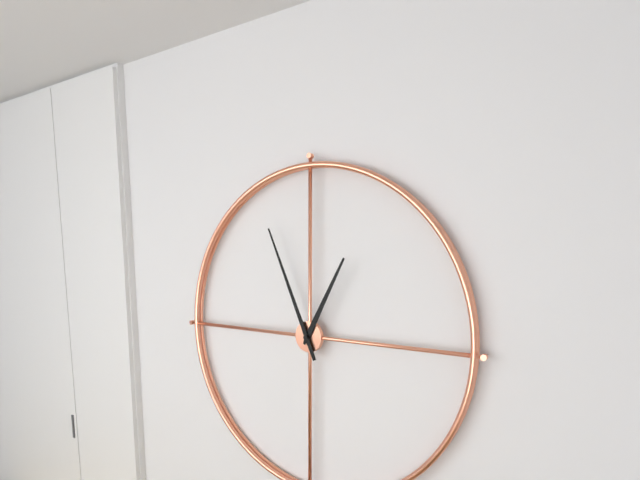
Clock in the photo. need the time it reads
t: 12:56
